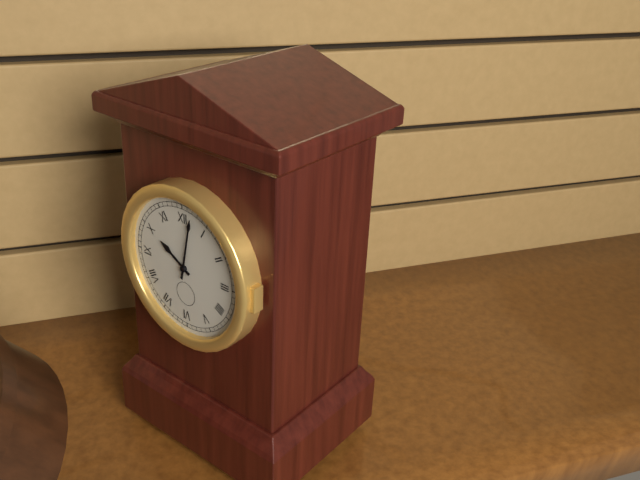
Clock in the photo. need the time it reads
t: 10:02
